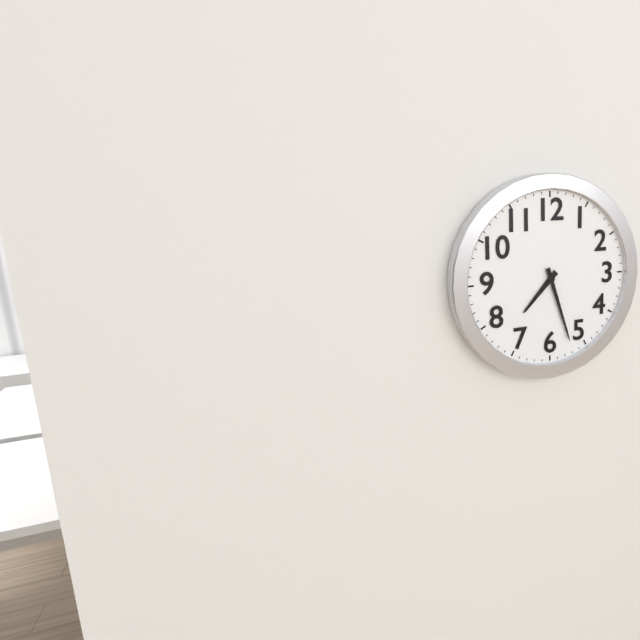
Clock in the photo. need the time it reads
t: 7:27
